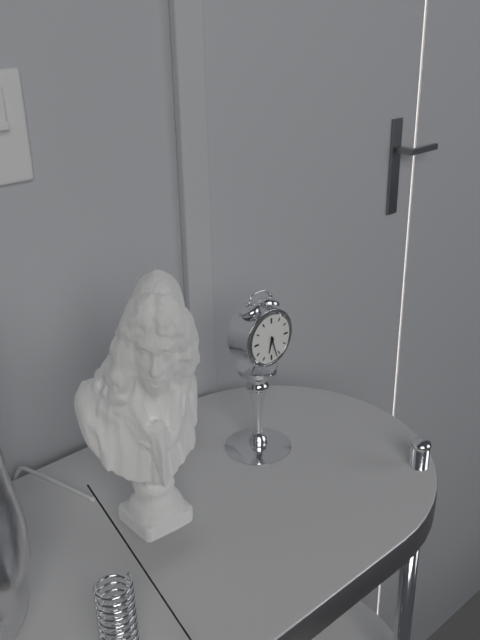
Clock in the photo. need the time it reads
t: 6:27
